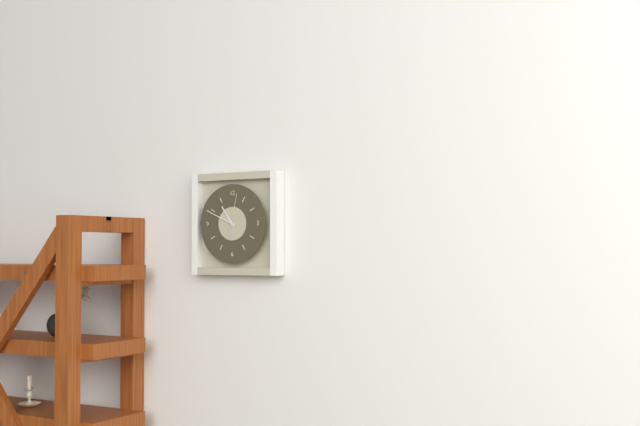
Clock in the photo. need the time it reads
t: 10:49
